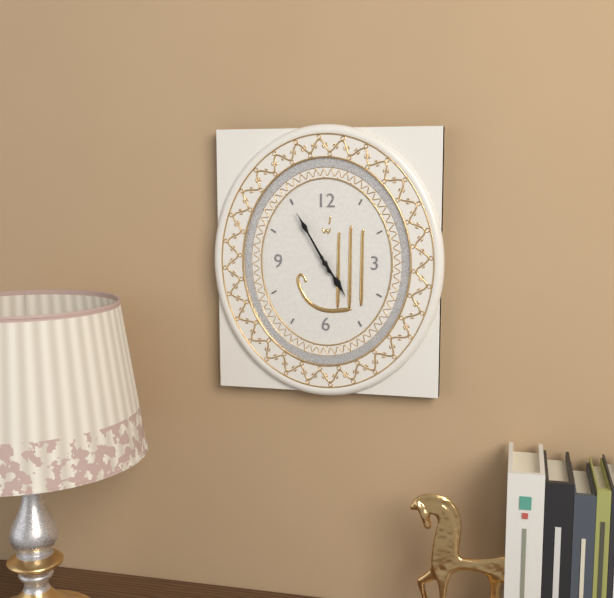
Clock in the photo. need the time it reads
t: 4:55
